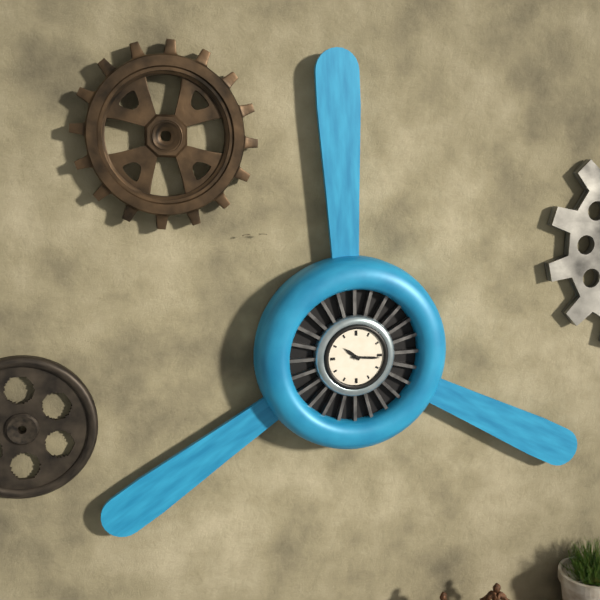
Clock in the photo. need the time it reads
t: 10:16
